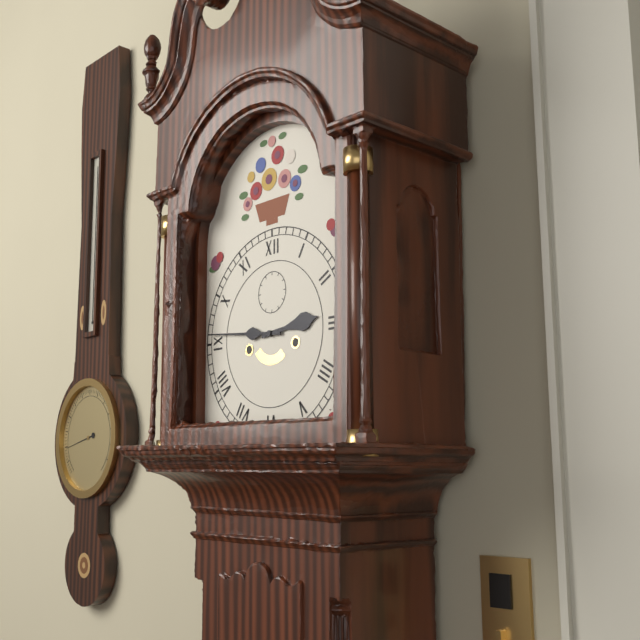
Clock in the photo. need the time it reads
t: 2:46
